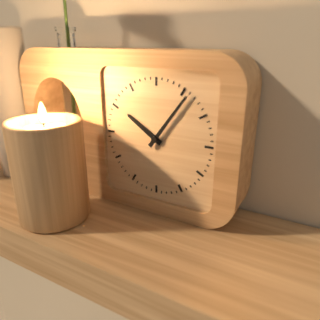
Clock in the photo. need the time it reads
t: 10:06
